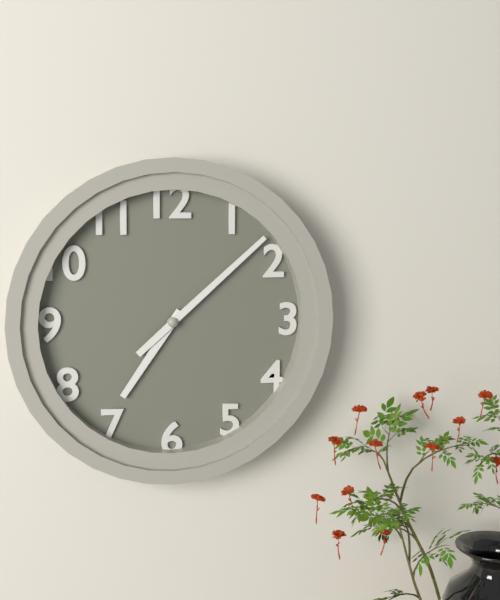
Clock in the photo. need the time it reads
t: 7:08
